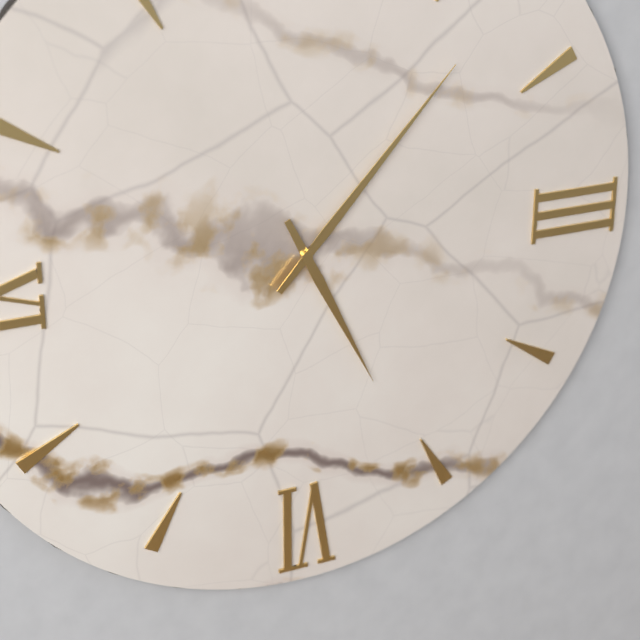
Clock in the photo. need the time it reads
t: 5:07
